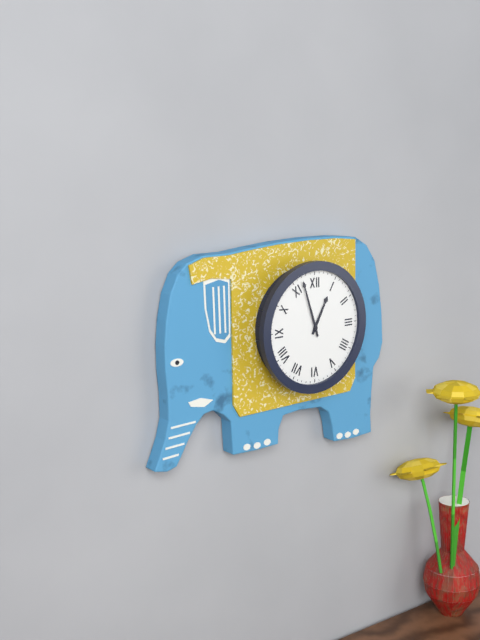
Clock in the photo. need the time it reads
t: 12:57
